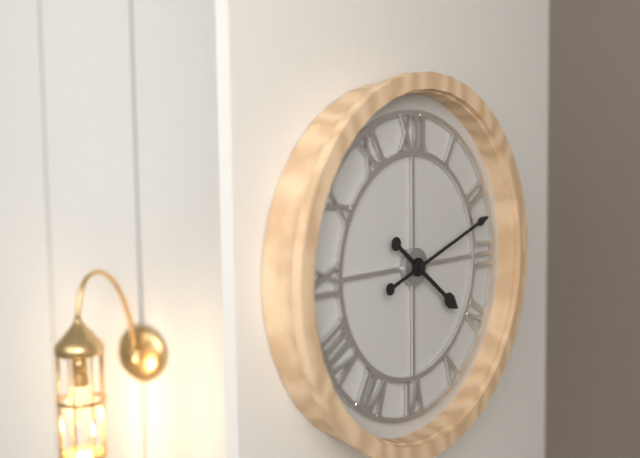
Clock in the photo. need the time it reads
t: 4:12
